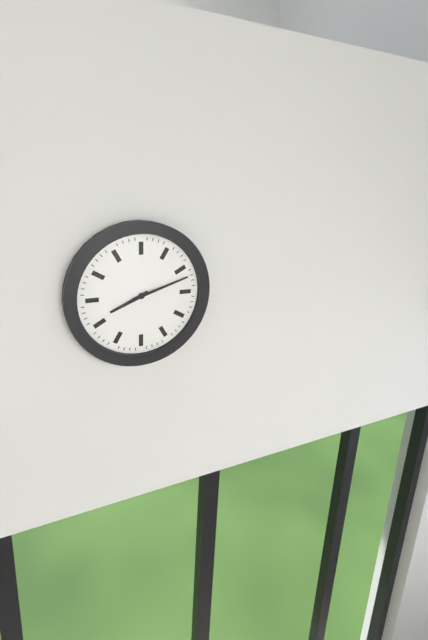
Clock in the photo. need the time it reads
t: 8:12
